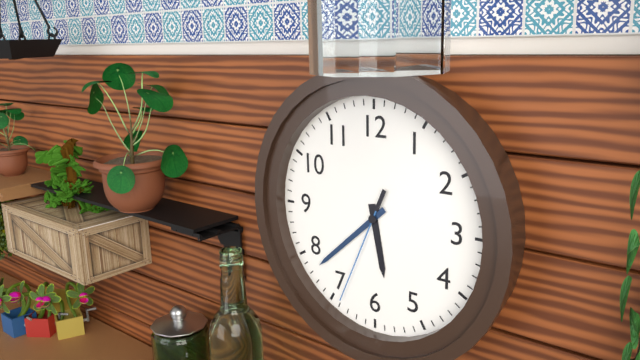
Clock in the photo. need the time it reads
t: 5:38:34
